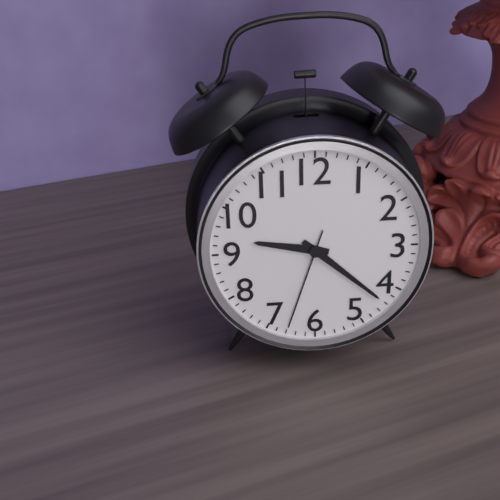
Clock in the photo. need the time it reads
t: 9:22:33
